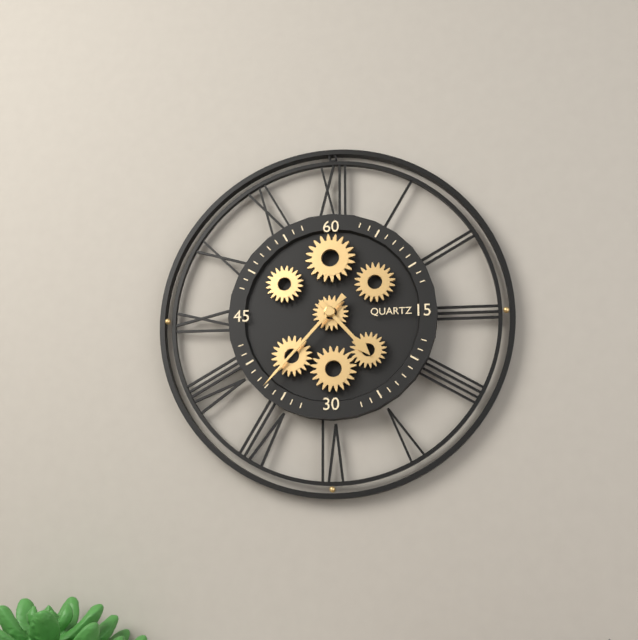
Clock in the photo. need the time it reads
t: 4:37
